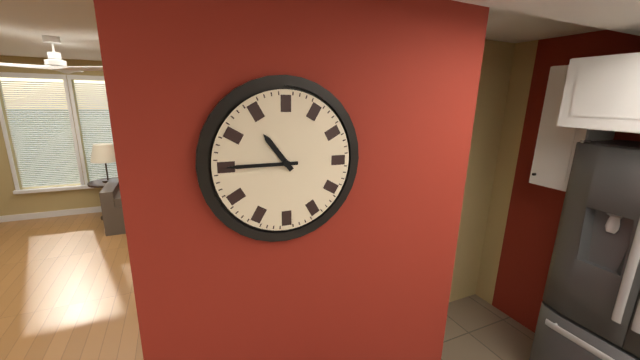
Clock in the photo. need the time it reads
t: 10:45
